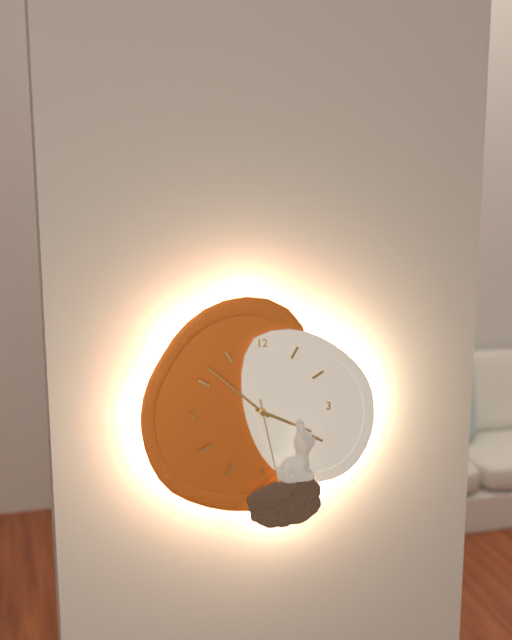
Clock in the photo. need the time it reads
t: 3:52:28
